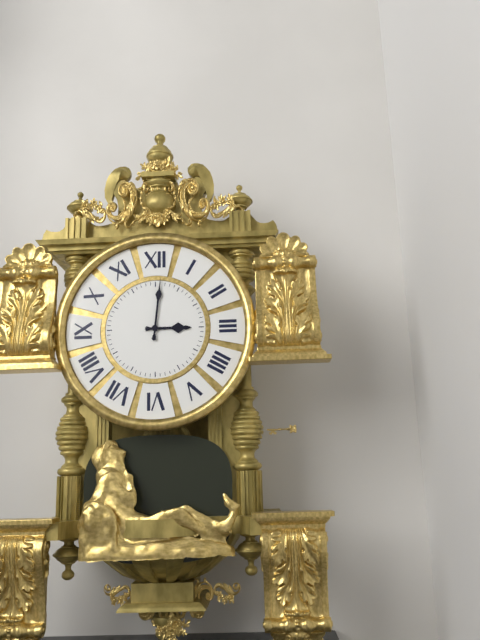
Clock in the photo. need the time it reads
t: 3:01
